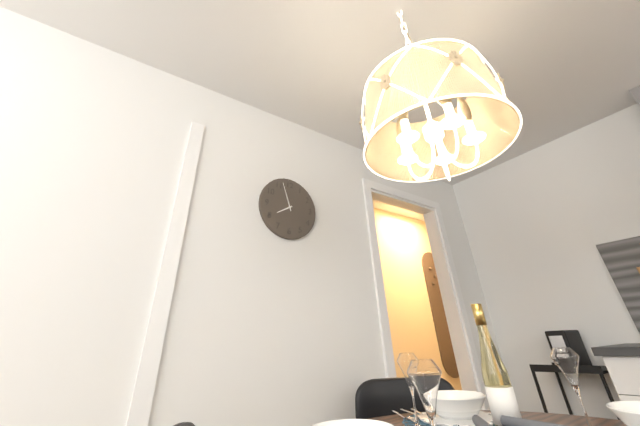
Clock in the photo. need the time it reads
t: 7:57
